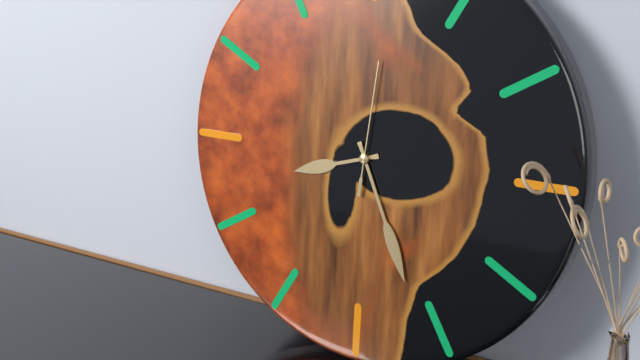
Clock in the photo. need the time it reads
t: 8:26:01
